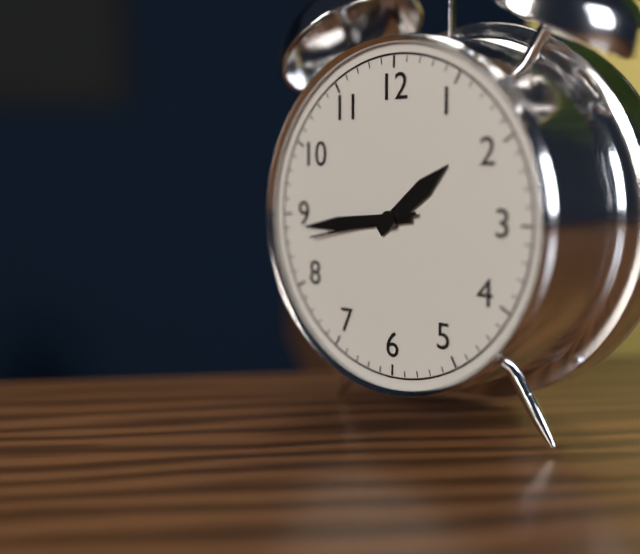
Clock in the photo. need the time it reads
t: 1:44:43
